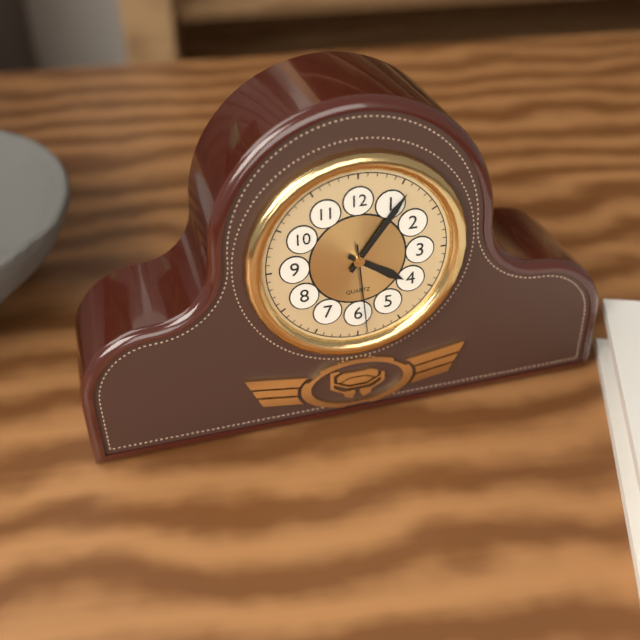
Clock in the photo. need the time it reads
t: 4:06:29
